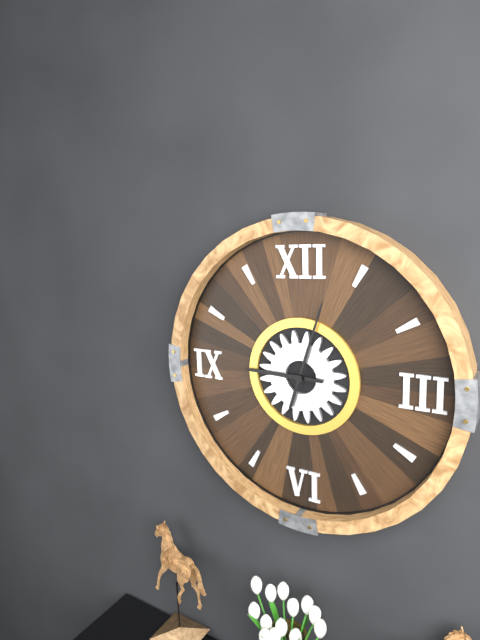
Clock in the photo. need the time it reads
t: 9:03
